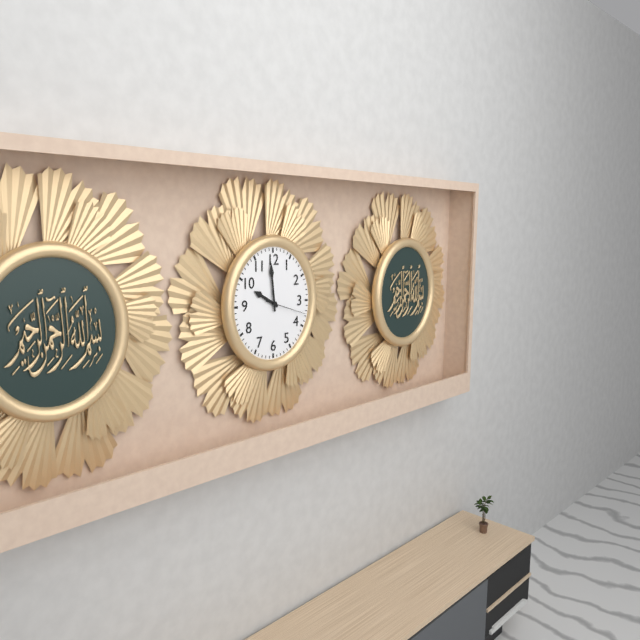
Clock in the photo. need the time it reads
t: 9:59
